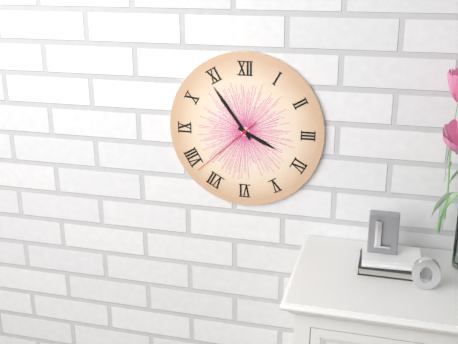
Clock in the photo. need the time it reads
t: 3:54:38
